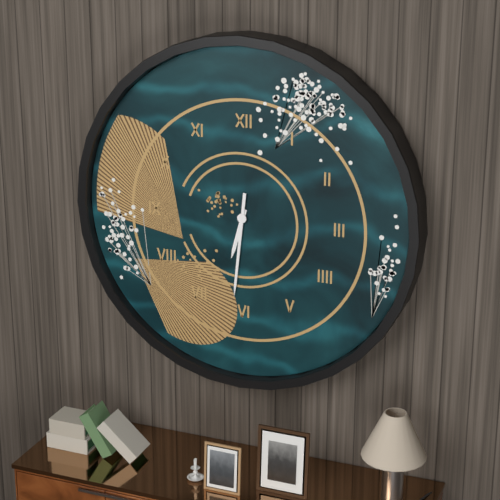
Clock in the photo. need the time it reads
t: 6:31
